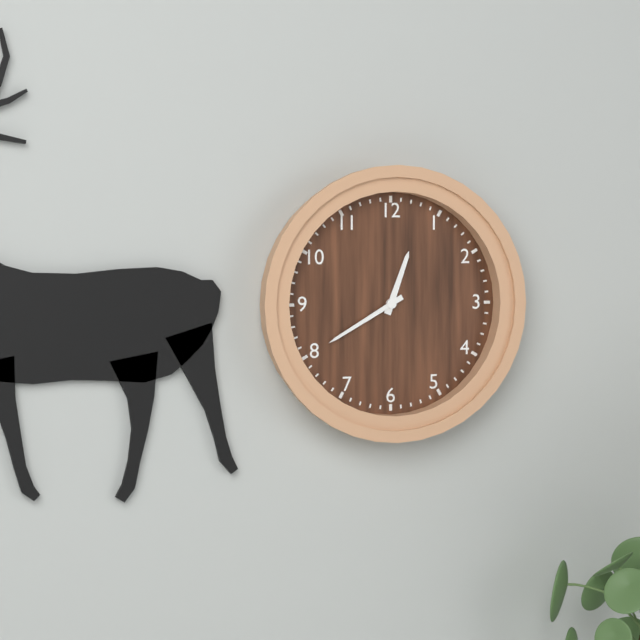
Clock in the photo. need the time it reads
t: 12:40
